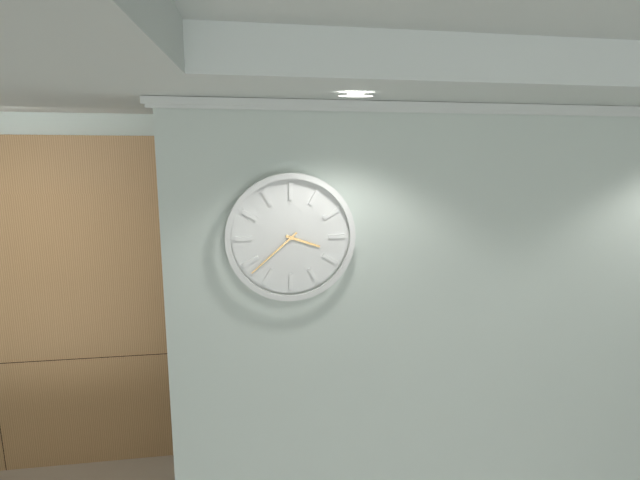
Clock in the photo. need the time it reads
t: 3:38
